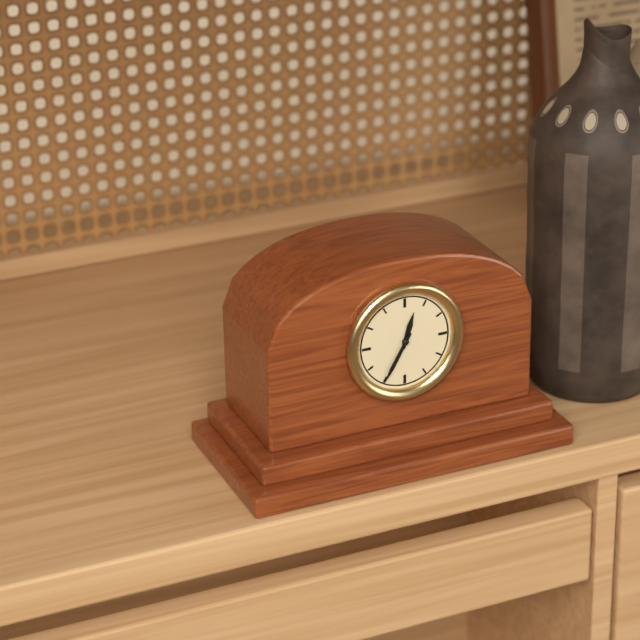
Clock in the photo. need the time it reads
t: 12:35
